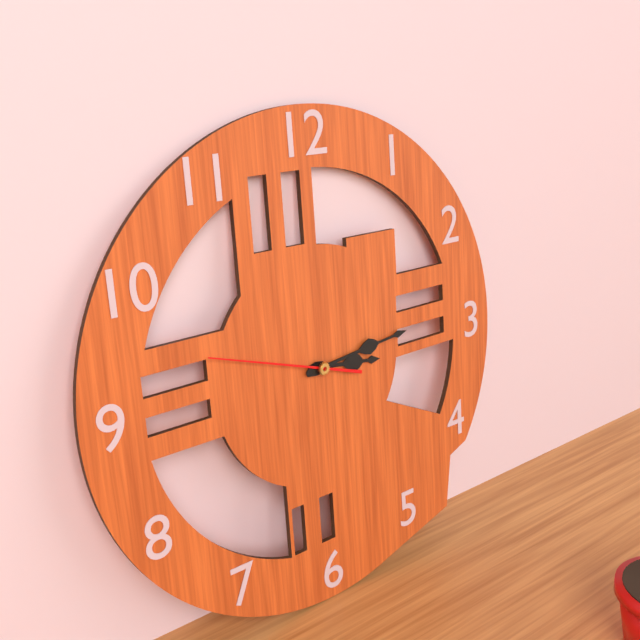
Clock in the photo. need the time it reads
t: 3:14:48
